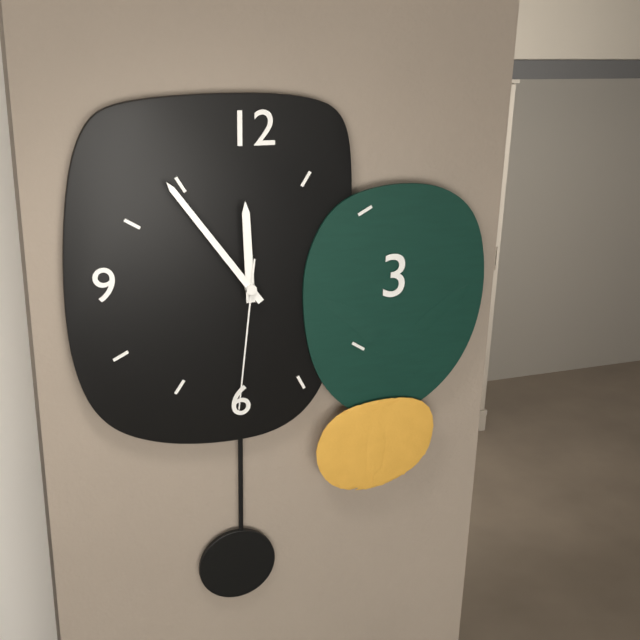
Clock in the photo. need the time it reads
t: 11:54:31
